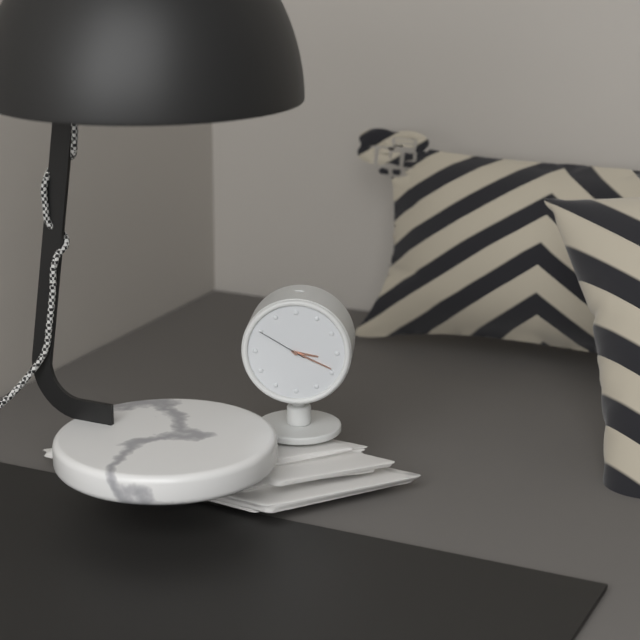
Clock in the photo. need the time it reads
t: 3:19:50
